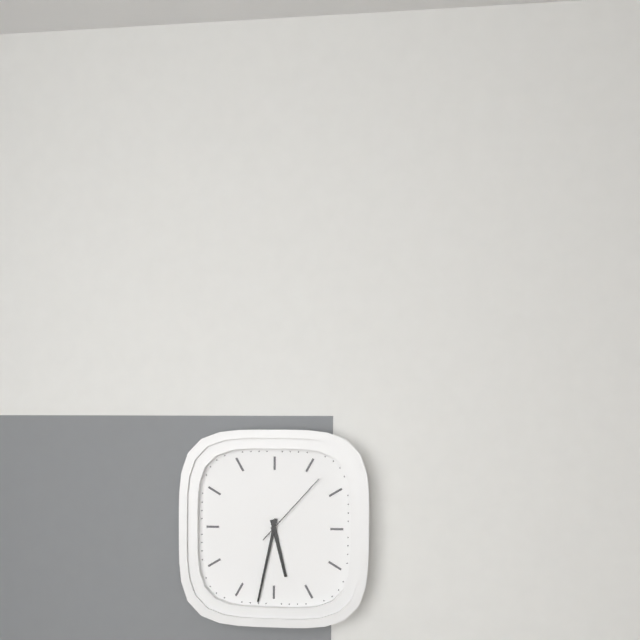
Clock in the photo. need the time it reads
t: 5:32:07
